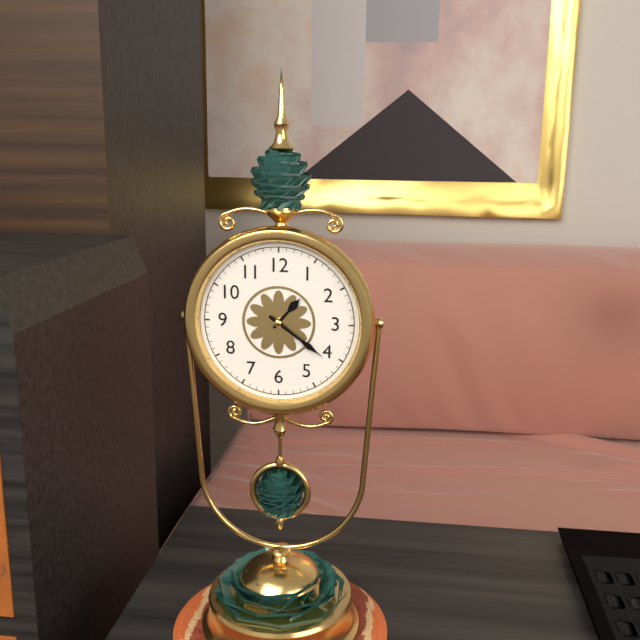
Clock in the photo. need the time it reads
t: 1:21
